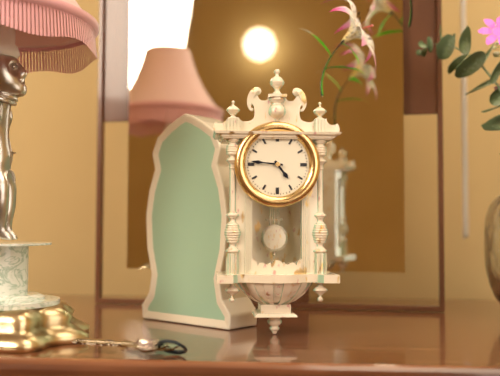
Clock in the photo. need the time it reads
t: 4:46
